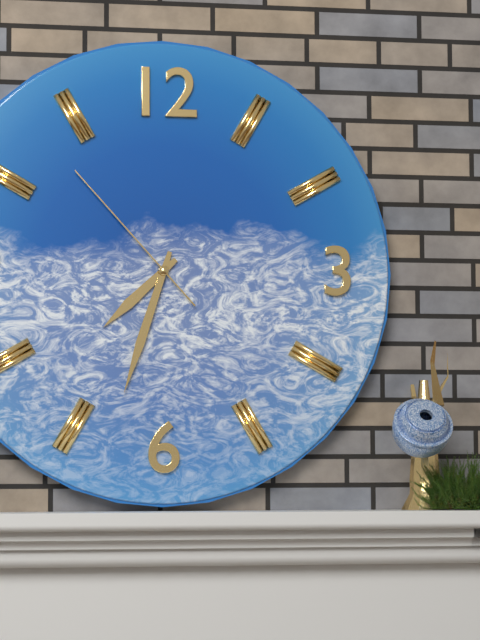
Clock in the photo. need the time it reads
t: 7:33:53
